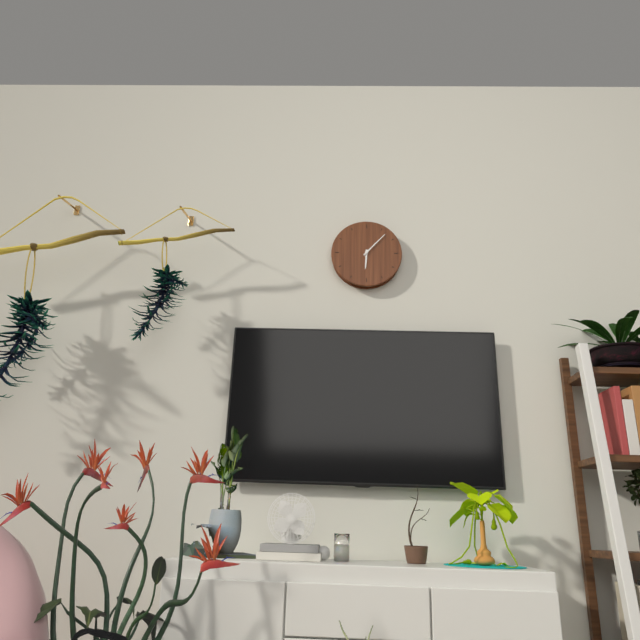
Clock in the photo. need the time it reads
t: 6:07
